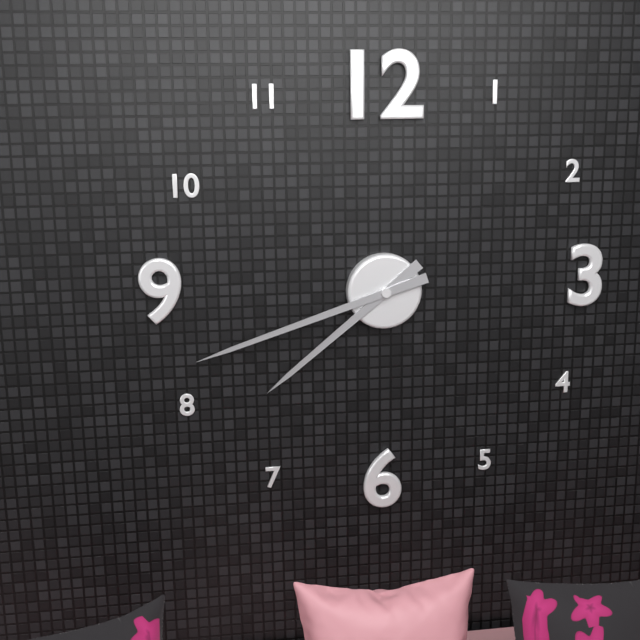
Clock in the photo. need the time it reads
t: 7:42
